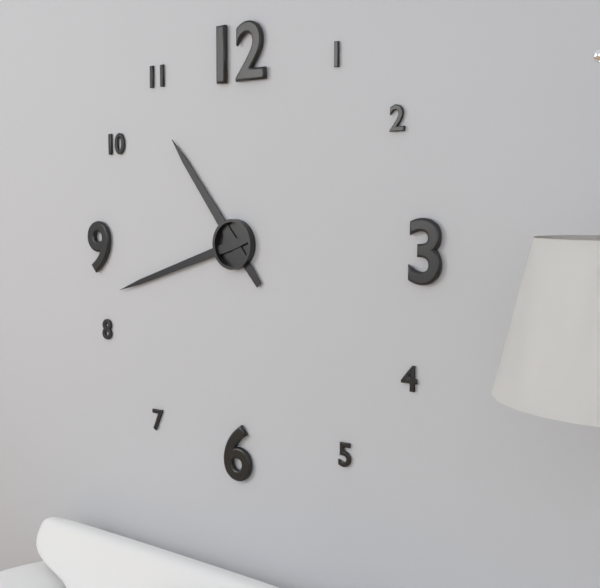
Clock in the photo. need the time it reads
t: 10:42
